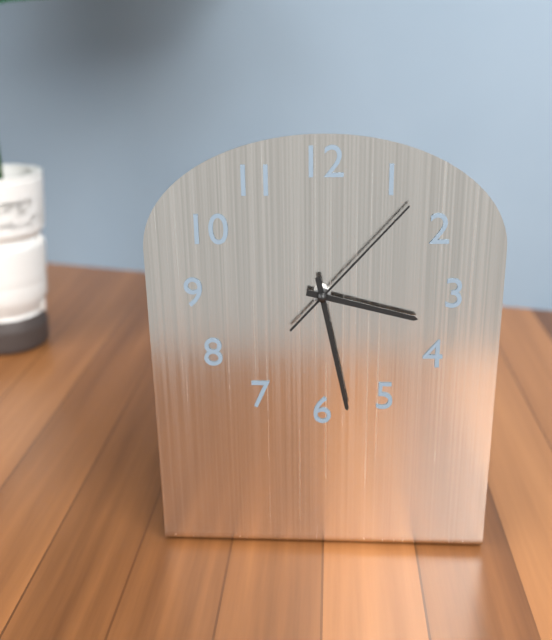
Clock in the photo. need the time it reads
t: 3:28:07
